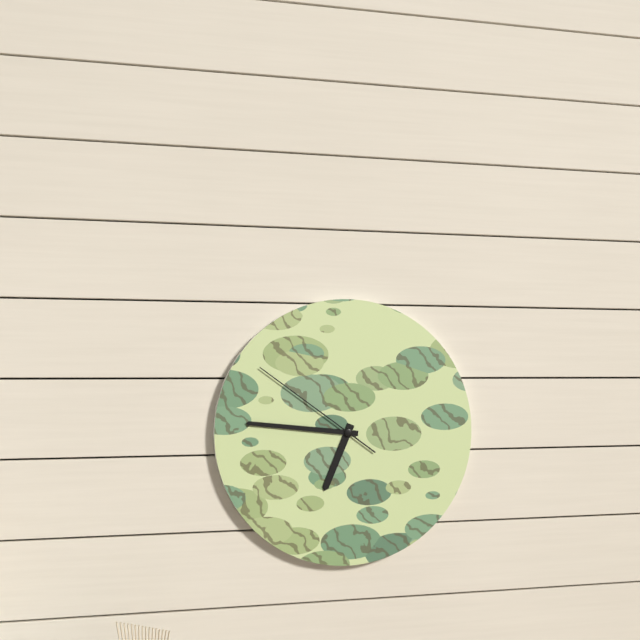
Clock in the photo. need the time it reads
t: 6:46:51
